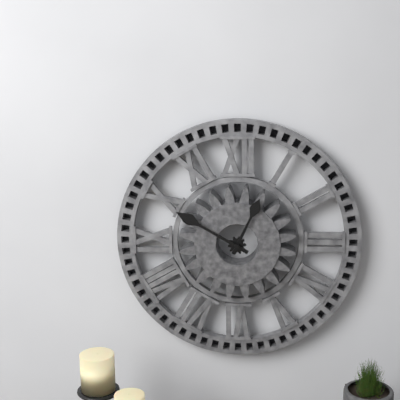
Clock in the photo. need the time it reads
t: 12:50
